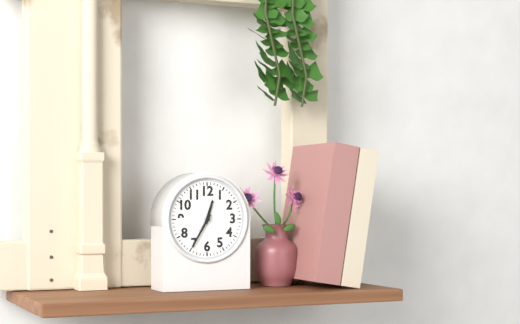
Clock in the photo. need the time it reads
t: 12:35
